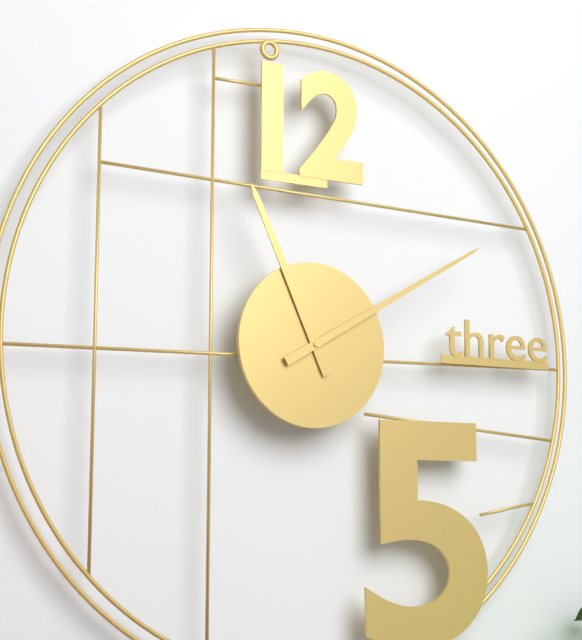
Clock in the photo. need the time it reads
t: 11:10
